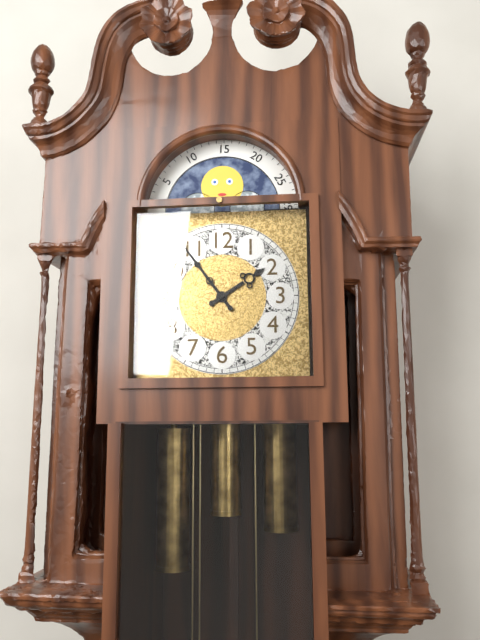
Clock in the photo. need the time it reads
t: 1:54
